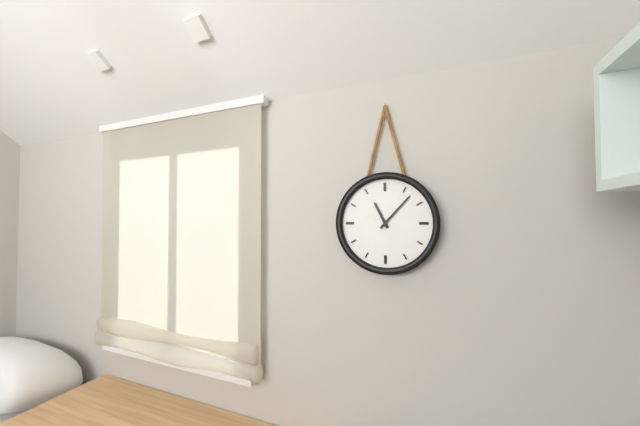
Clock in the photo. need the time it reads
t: 11:07
